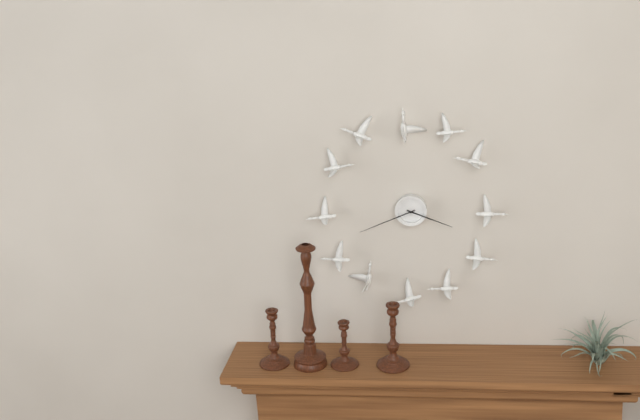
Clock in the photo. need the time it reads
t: 3:41
